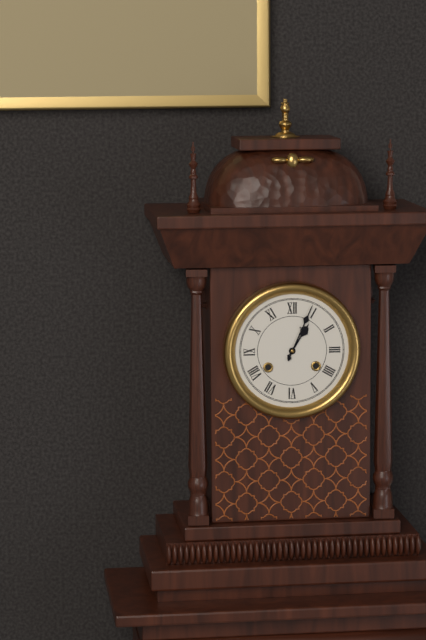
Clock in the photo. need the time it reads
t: 1:04
